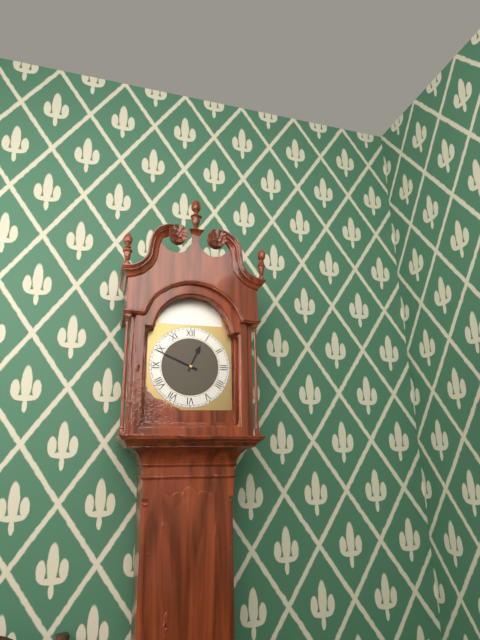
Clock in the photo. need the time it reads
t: 12:49
